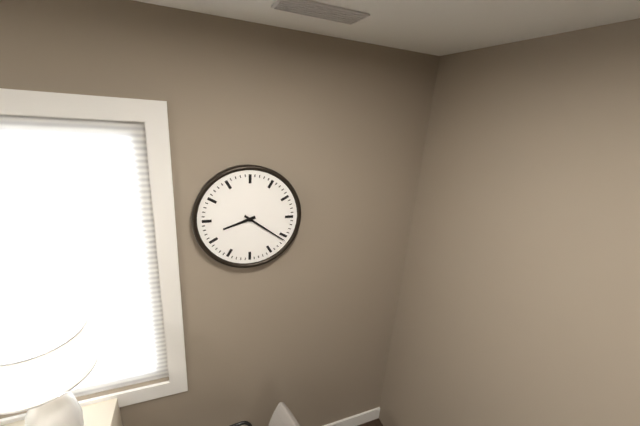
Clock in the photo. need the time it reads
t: 8:21
